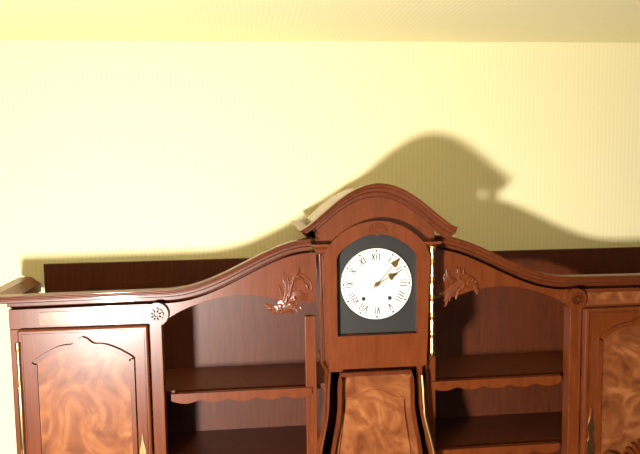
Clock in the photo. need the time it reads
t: 2:07
